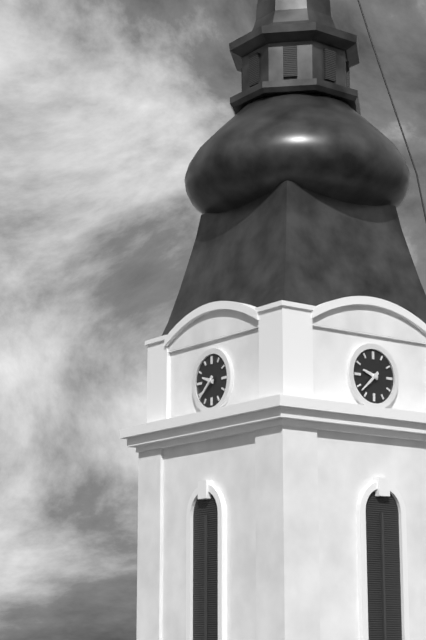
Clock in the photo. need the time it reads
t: 9:38
